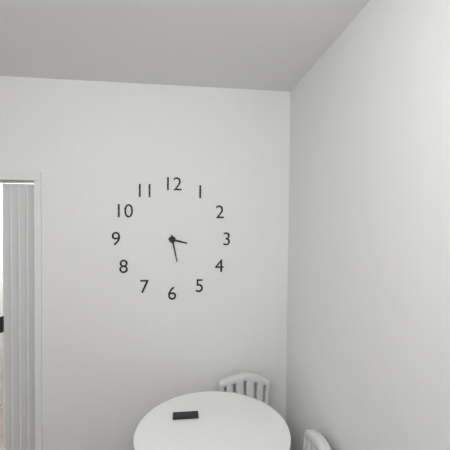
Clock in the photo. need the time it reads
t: 3:28
